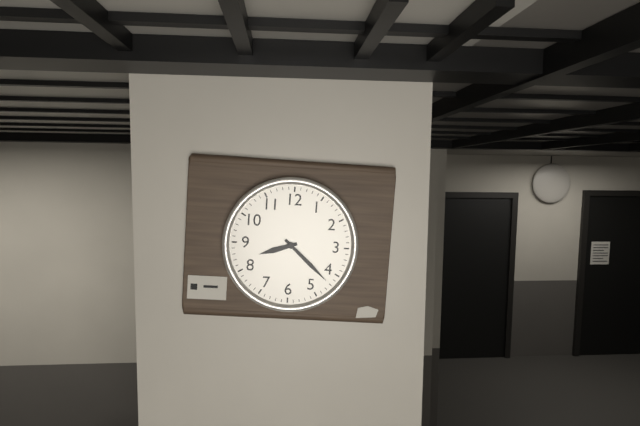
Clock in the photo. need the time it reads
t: 8:22
